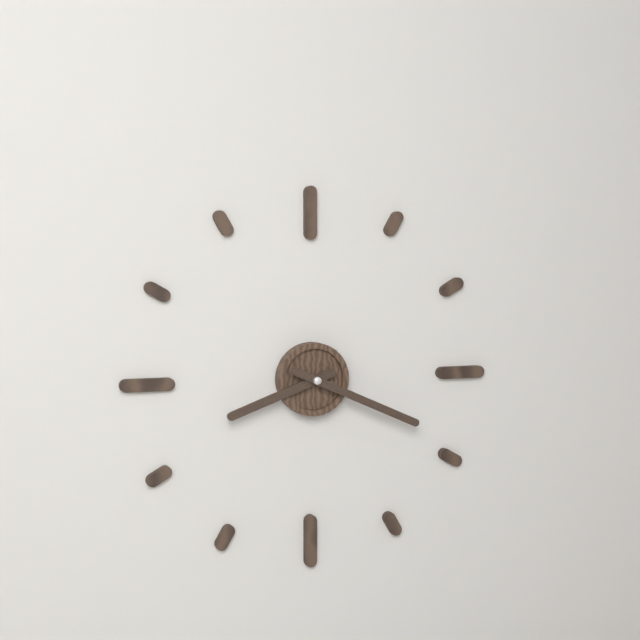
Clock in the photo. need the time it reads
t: 8:19
